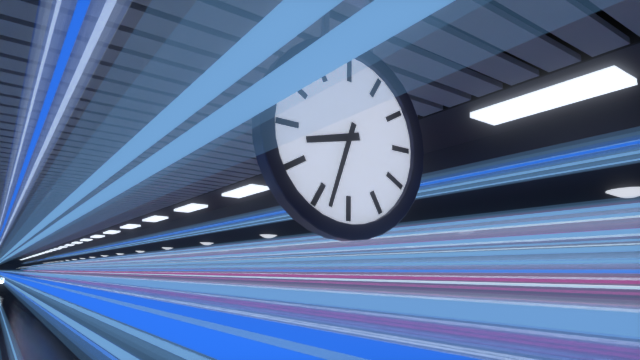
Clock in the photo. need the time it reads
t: 8:33
